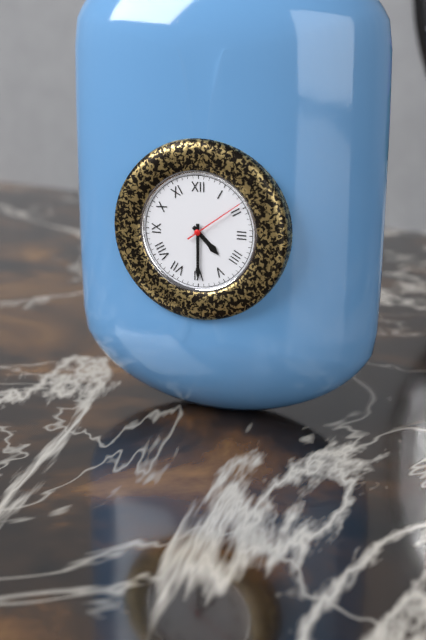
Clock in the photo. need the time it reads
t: 4:30:09
